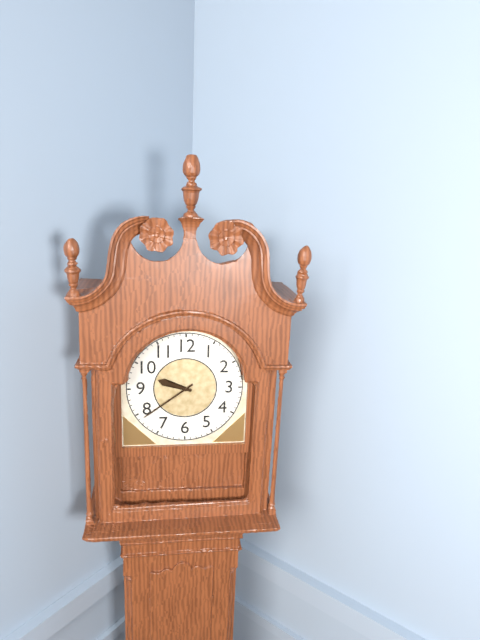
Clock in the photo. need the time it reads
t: 9:39
